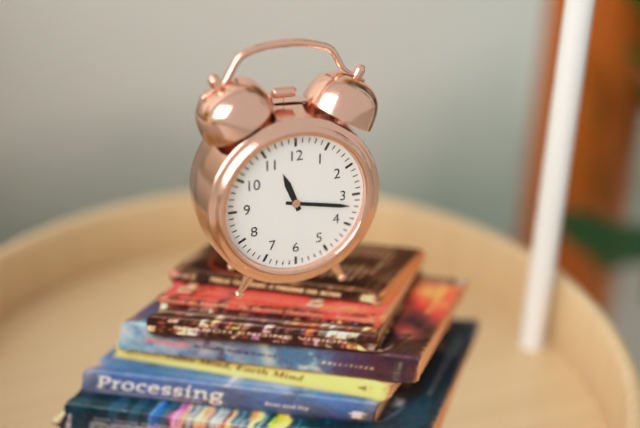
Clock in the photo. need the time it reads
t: 11:17
